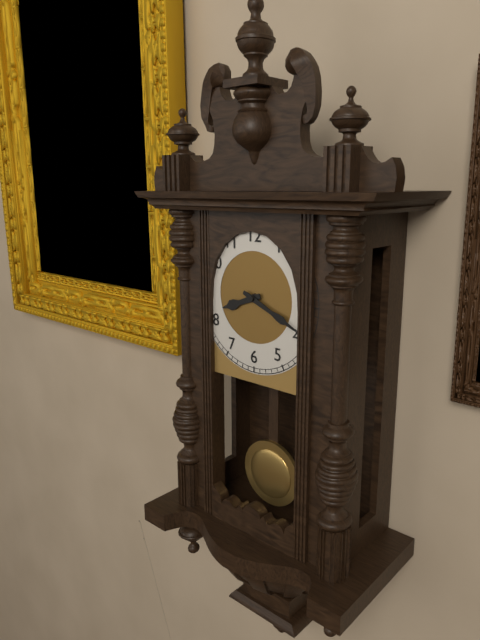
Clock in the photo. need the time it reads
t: 8:19
